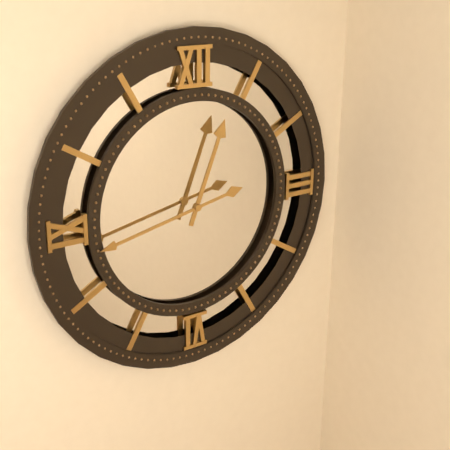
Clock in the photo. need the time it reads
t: 12:43
